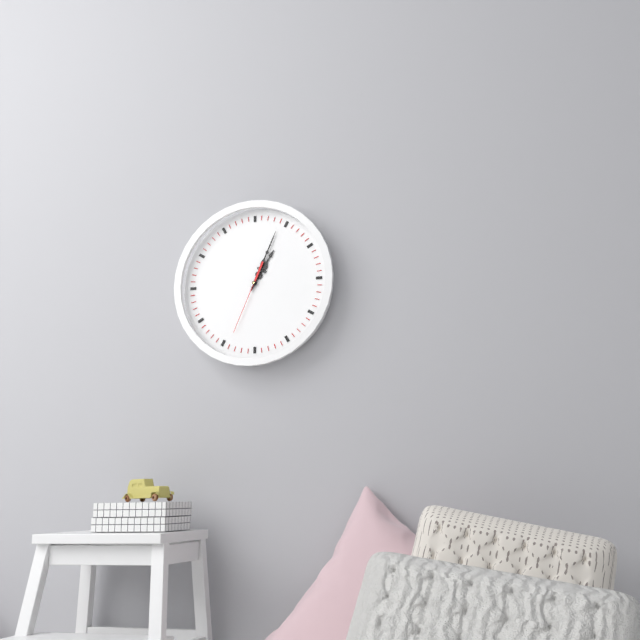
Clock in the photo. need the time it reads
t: 1:04:34
